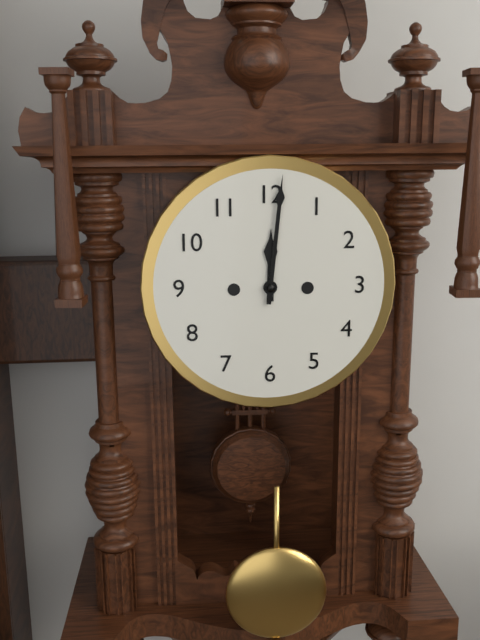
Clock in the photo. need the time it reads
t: 12:01
